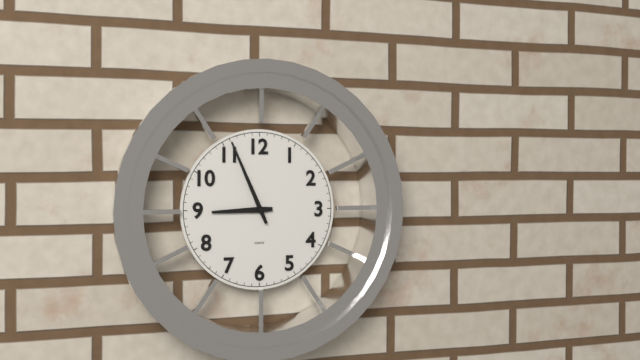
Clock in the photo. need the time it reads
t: 8:56
